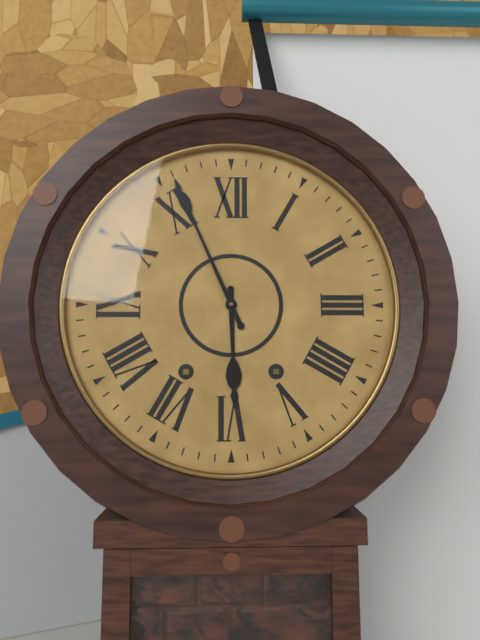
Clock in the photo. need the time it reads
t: 5:56
